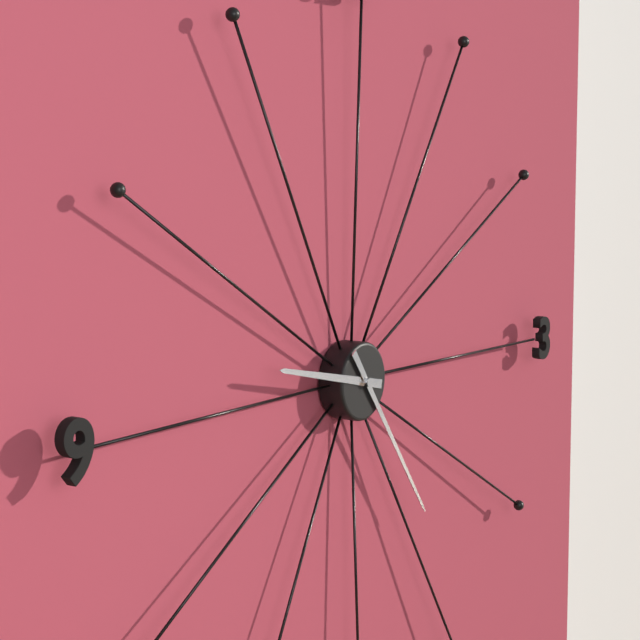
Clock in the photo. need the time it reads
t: 9:24
